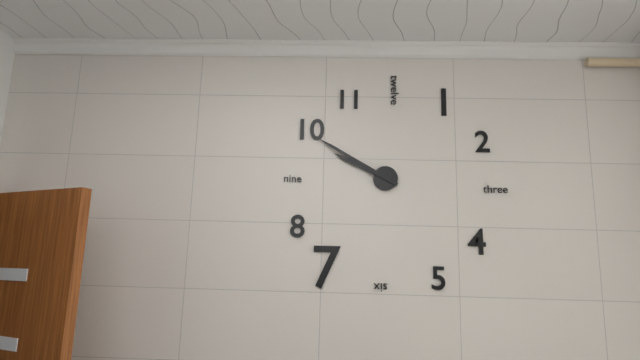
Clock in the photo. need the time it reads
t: 9:50
